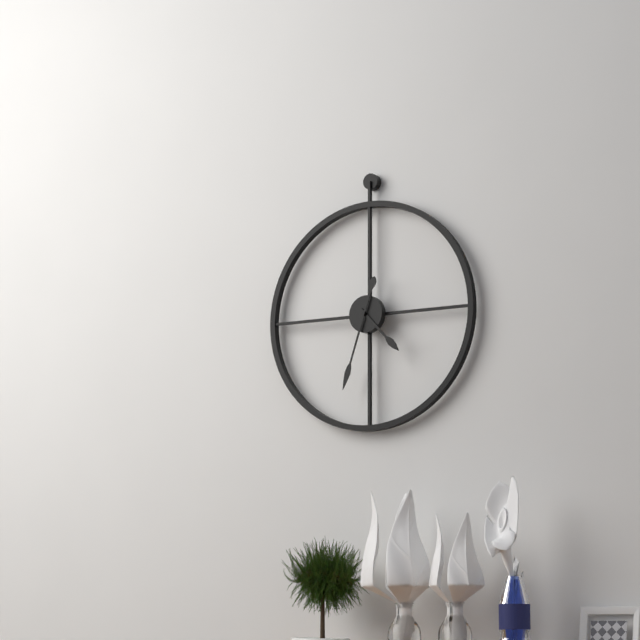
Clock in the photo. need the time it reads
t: 4:33
